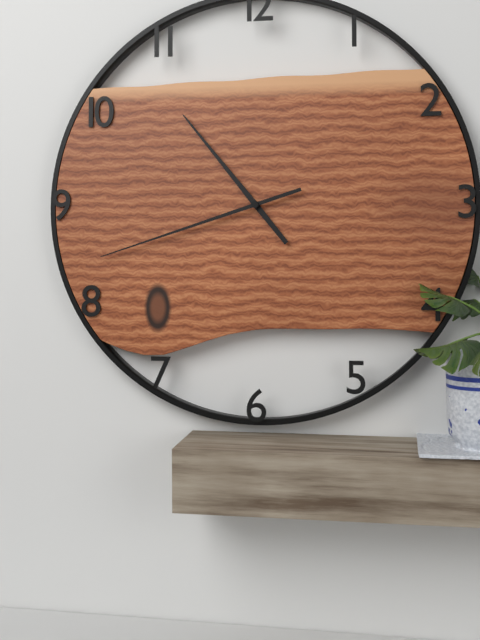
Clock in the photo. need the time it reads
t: 10:42
